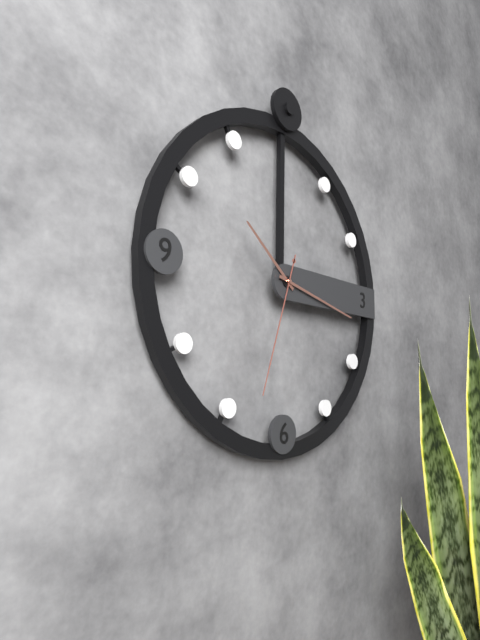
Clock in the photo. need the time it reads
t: 10:17:33
